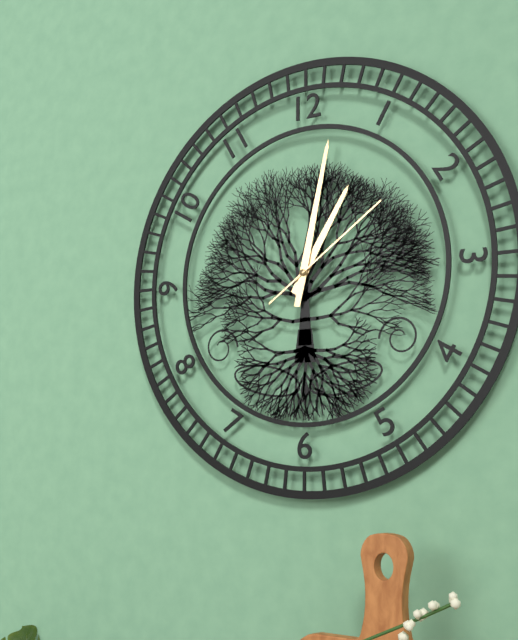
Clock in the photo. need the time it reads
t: 1:02:09
